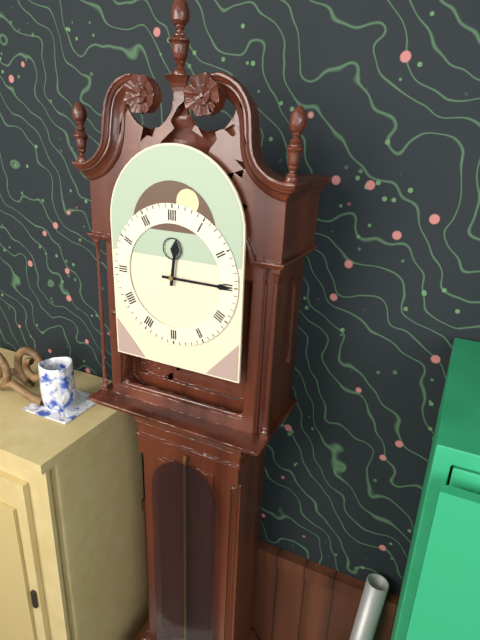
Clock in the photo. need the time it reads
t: 12:15
